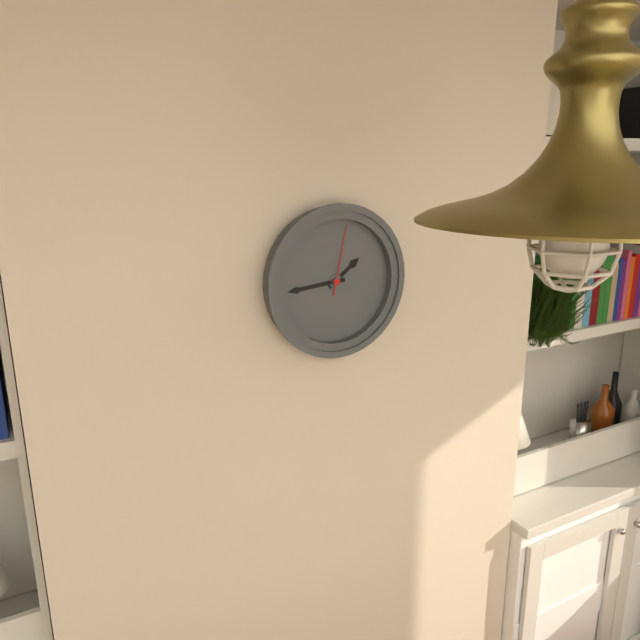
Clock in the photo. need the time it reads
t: 1:44:02
